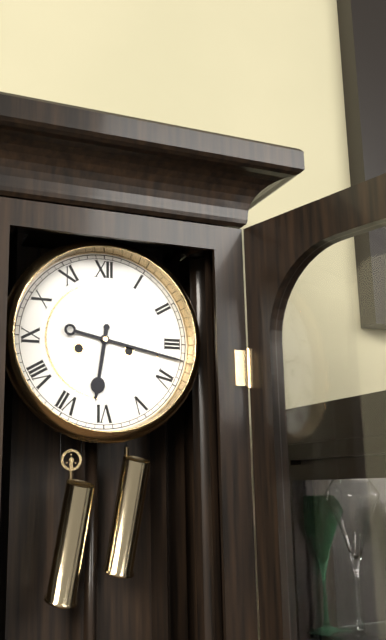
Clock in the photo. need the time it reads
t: 6:17
